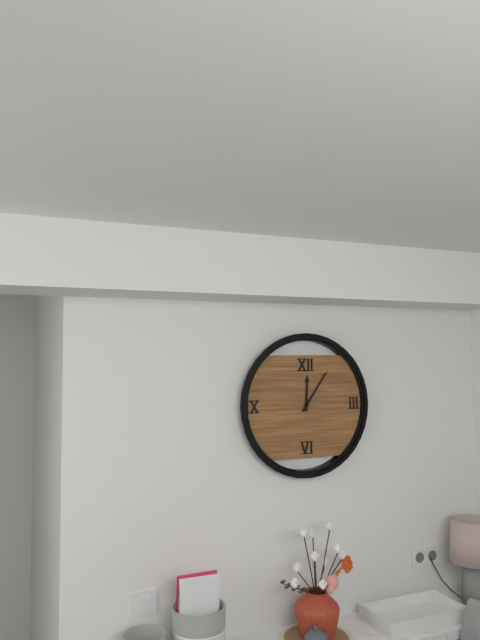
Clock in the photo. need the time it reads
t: 12:06
